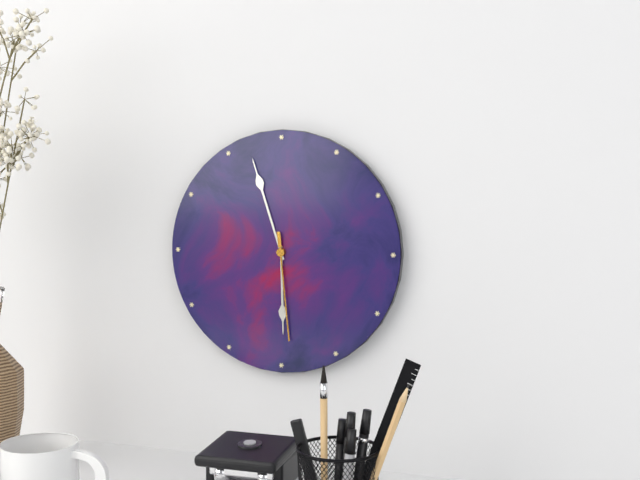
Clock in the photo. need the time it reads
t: 5:57:29
